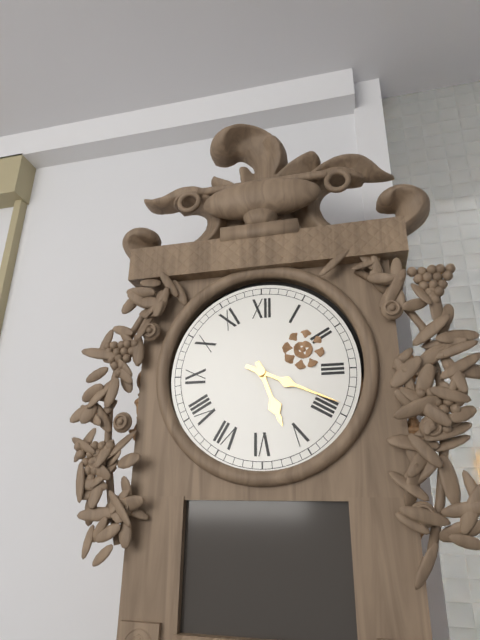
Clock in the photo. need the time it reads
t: 5:19
